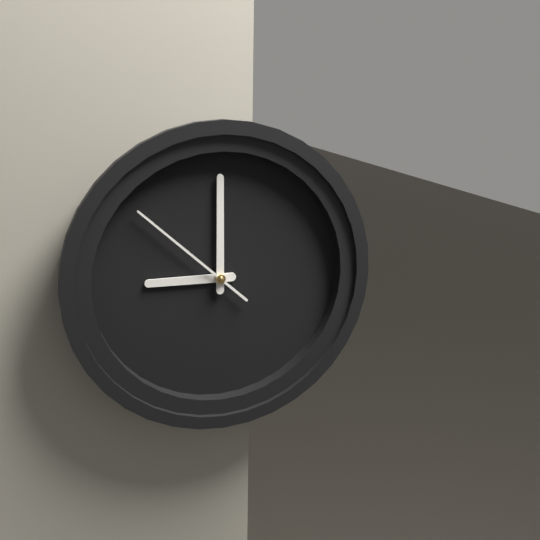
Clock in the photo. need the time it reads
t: 9:00:52
